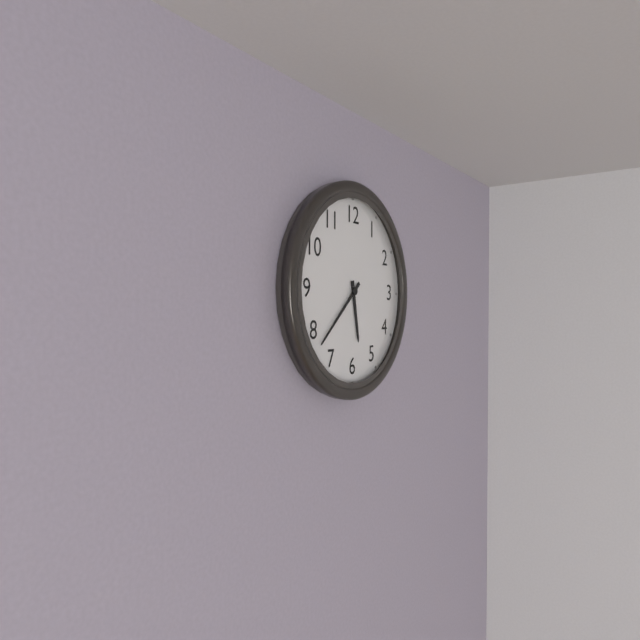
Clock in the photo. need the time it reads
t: 5:38
